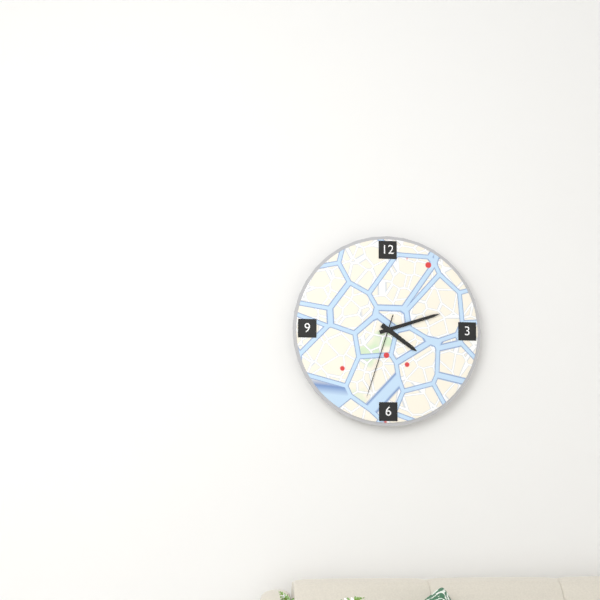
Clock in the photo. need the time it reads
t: 4:12:33
